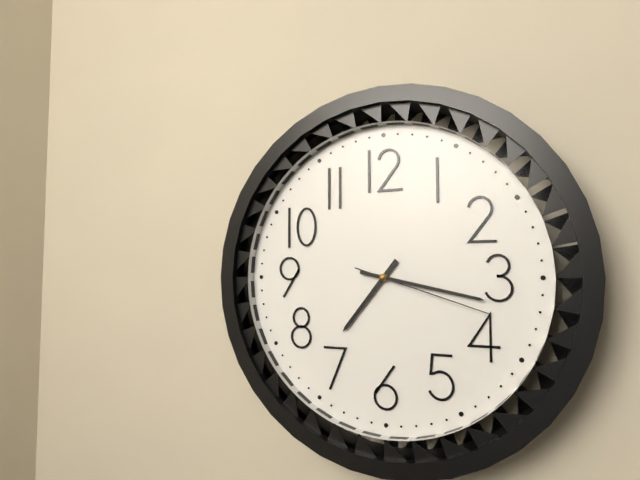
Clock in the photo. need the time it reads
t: 7:17:18
